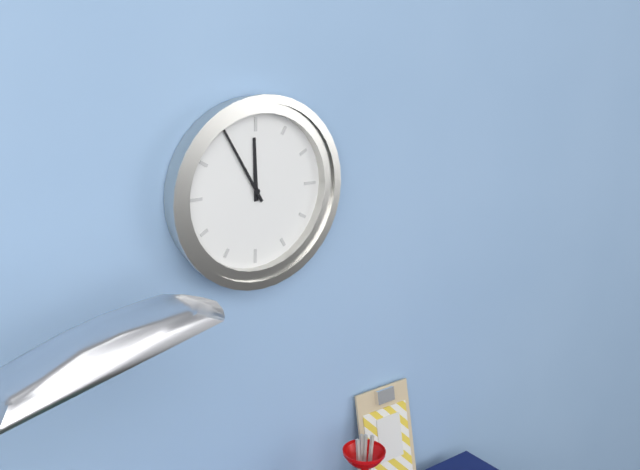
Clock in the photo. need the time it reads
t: 11:55
